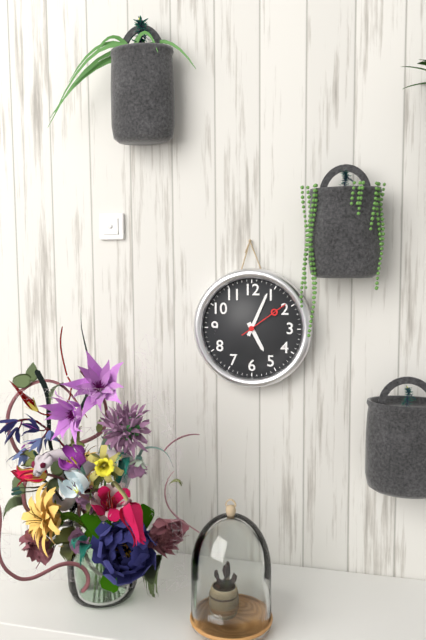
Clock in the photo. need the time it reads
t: 5:04
